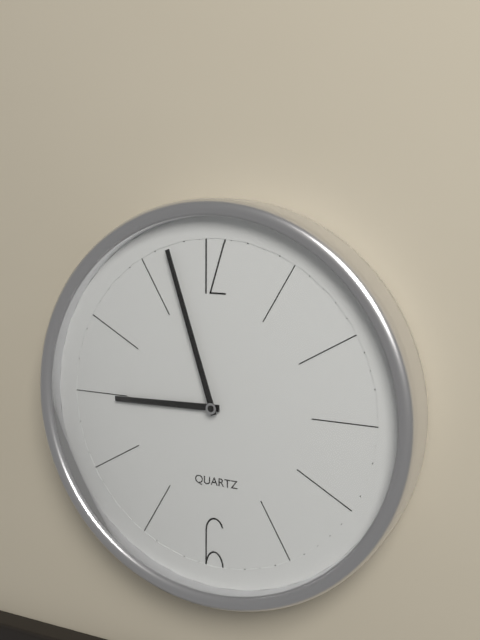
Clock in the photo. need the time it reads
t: 8:57
